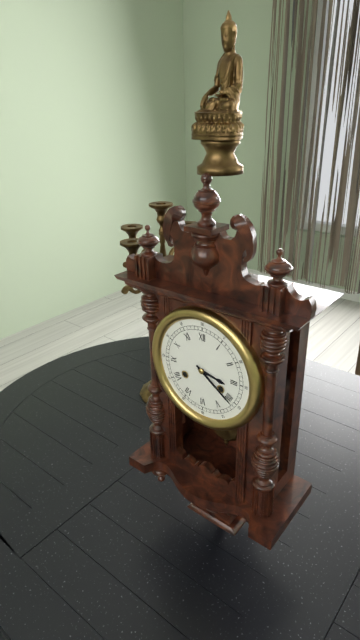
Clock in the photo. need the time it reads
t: 3:21
